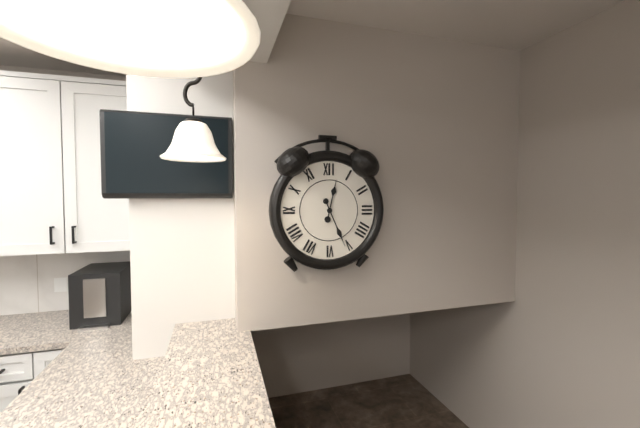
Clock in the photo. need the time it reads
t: 12:26
